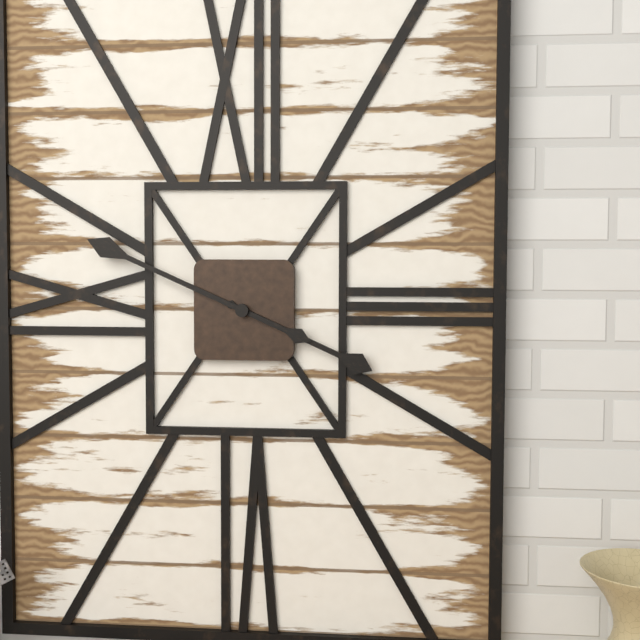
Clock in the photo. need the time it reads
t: 3:49
